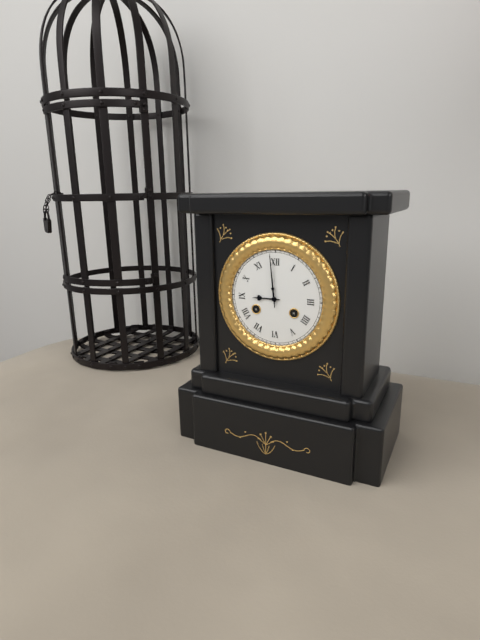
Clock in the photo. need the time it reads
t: 8:59
